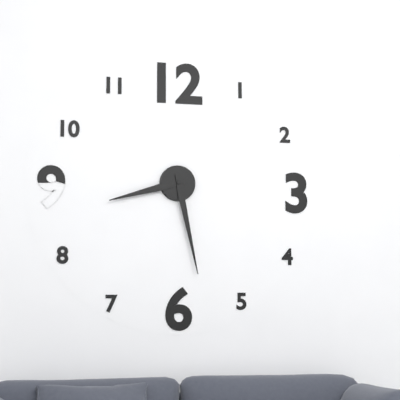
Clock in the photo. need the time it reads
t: 8:28
